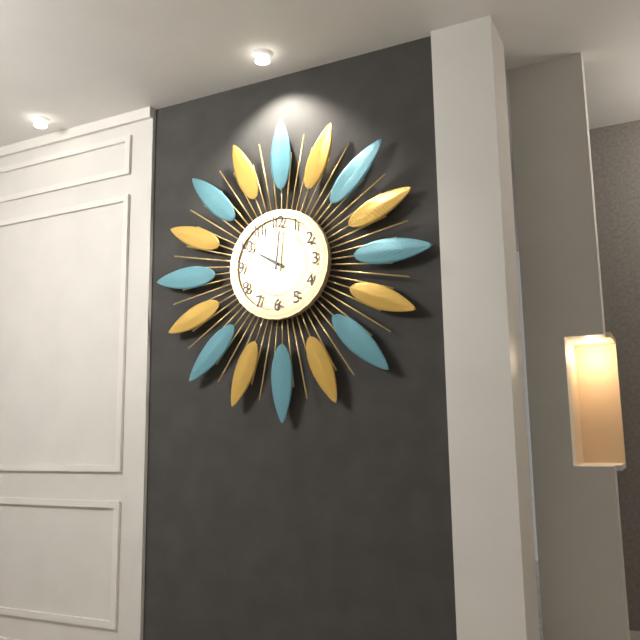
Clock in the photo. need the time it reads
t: 10:01
